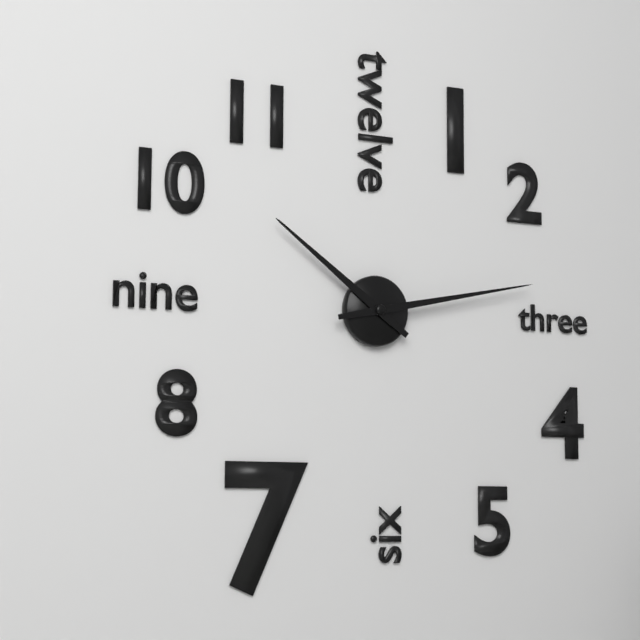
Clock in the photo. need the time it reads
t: 10:13
